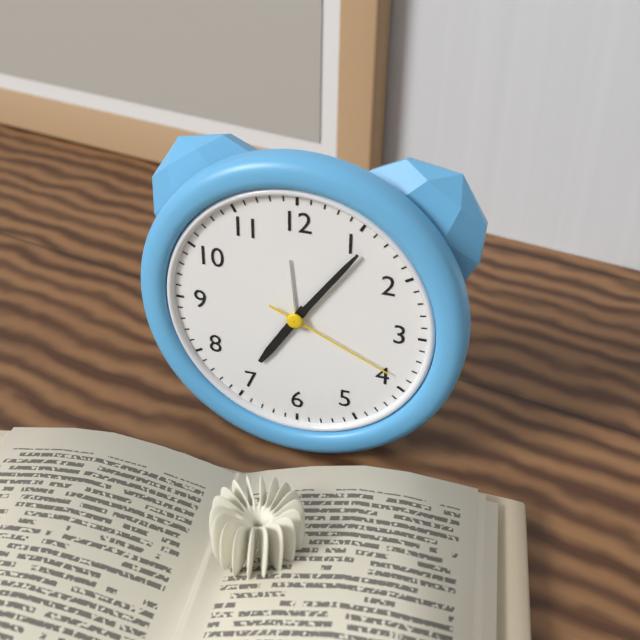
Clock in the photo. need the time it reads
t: 7:06:19
